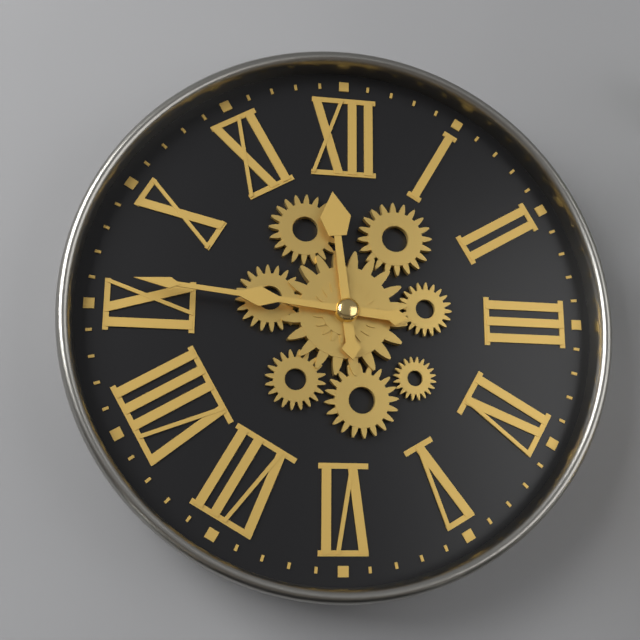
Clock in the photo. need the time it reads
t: 11:46
